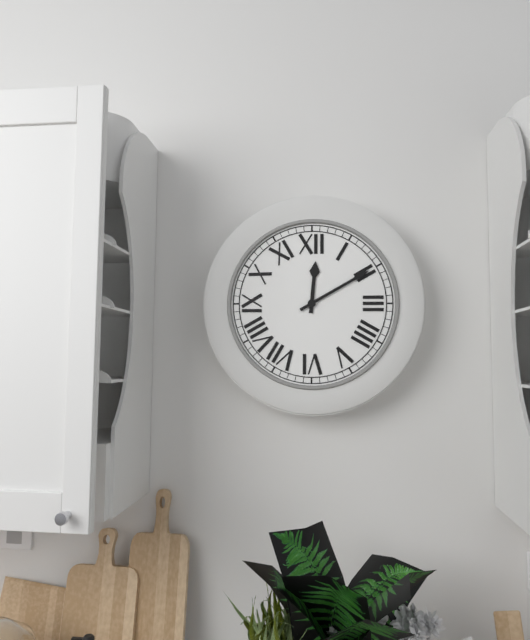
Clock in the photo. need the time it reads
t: 12:10
